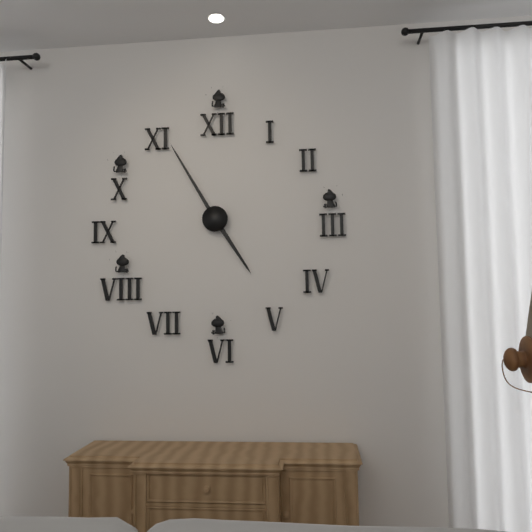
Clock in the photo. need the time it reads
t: 4:55
